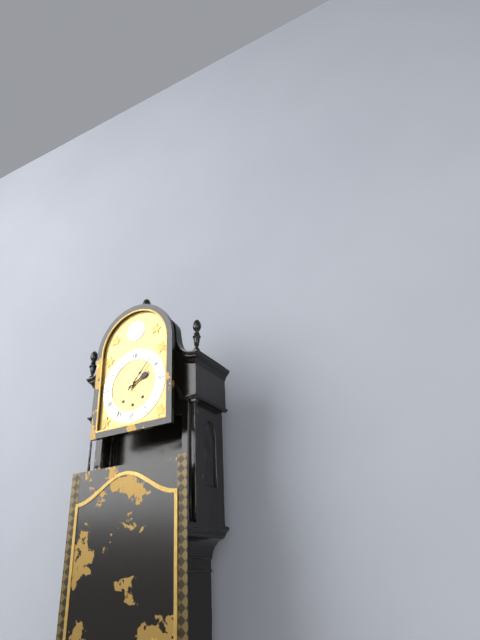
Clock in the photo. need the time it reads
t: 2:07
